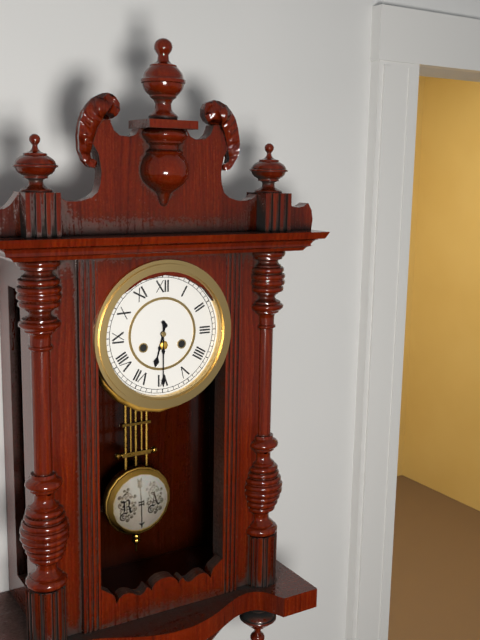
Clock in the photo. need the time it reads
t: 6:30
